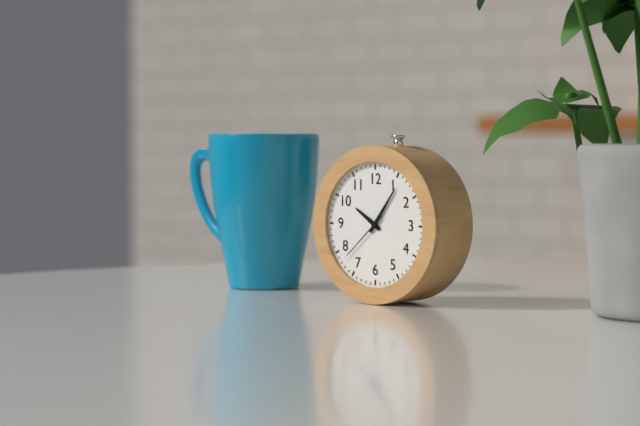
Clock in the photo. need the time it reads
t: 10:06:38
